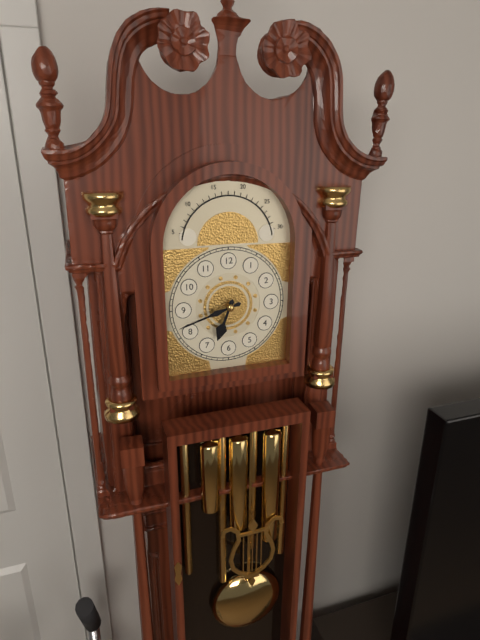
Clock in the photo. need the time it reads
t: 6:42
